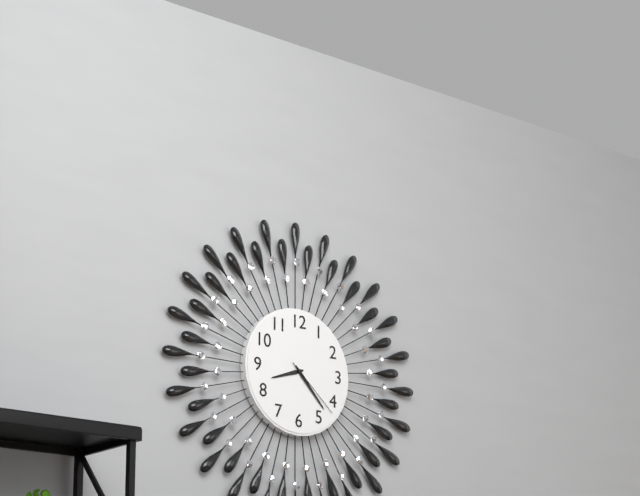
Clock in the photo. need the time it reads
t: 8:23:22
